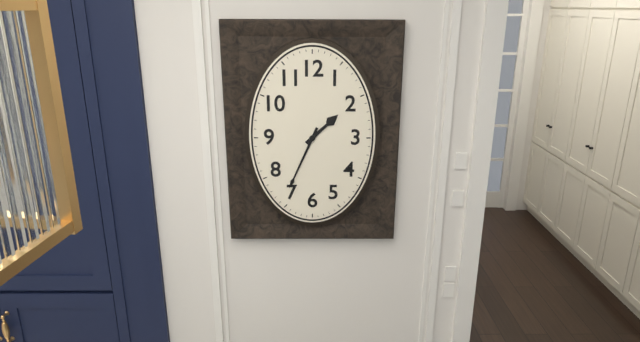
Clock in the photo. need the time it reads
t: 1:34
